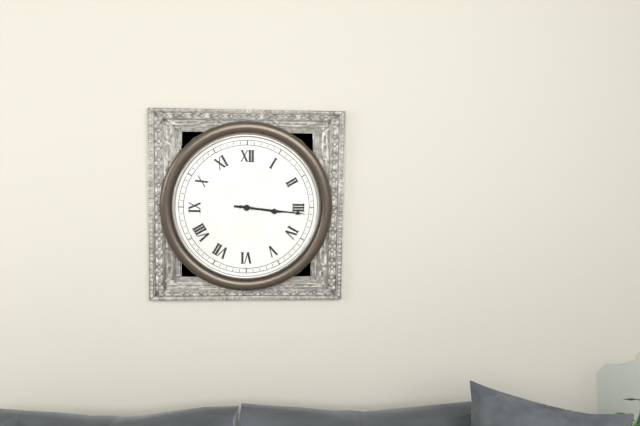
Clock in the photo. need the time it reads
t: 3:16
